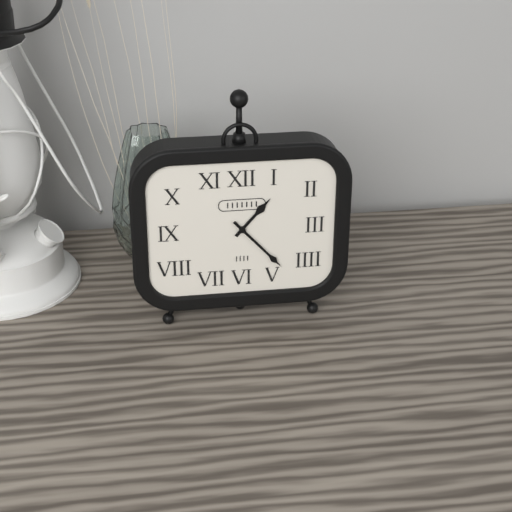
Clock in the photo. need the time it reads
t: 1:23
